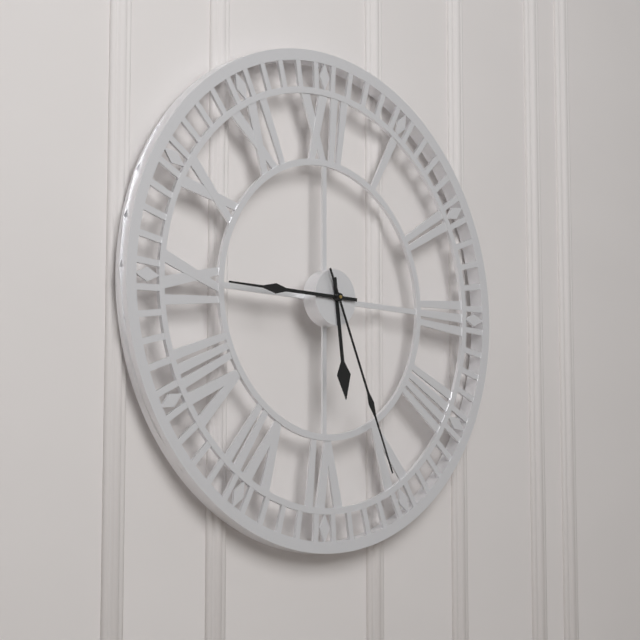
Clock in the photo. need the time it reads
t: 5:45:26
